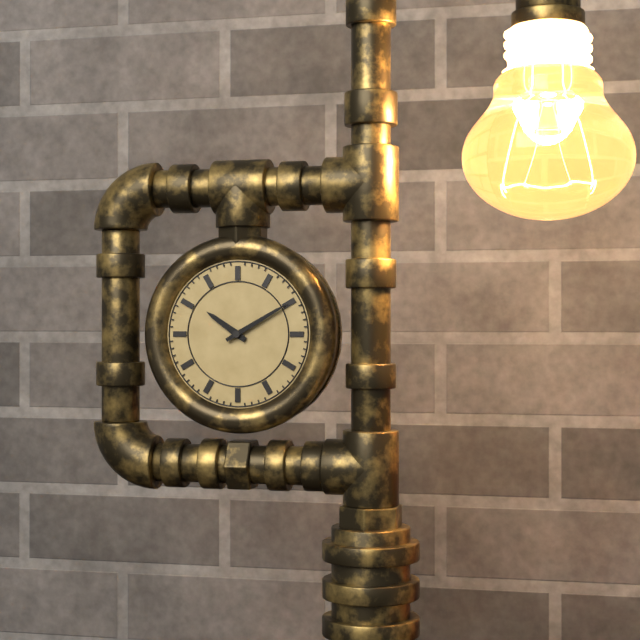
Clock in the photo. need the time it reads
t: 10:10
